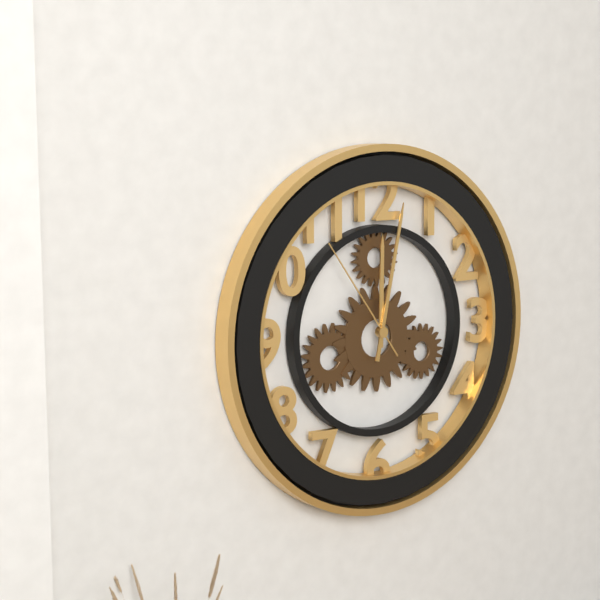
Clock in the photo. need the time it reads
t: 12:02:54
